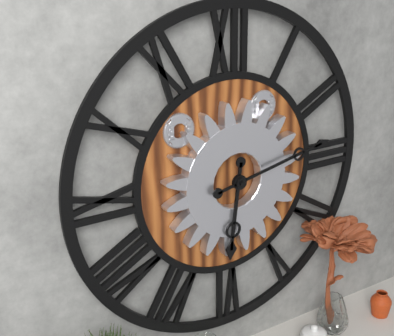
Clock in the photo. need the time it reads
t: 6:13
